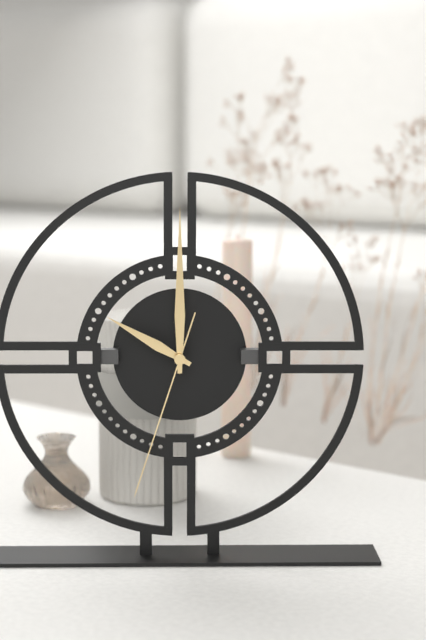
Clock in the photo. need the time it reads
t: 10:00:33
